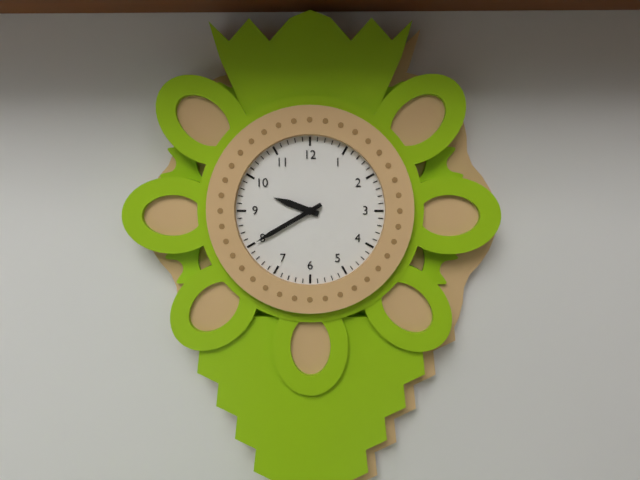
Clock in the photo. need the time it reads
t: 9:40
